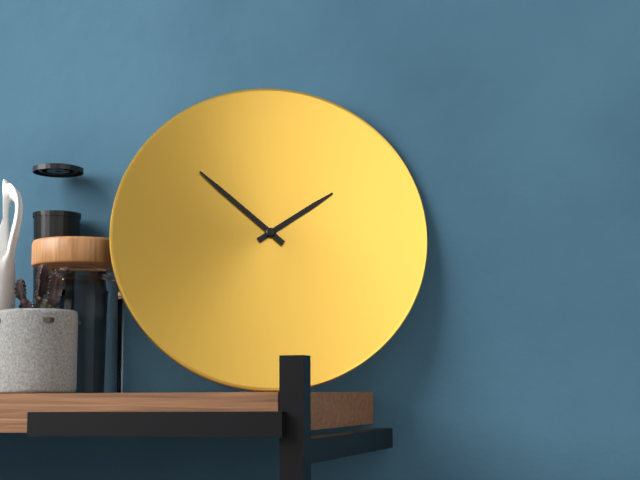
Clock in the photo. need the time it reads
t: 1:52
